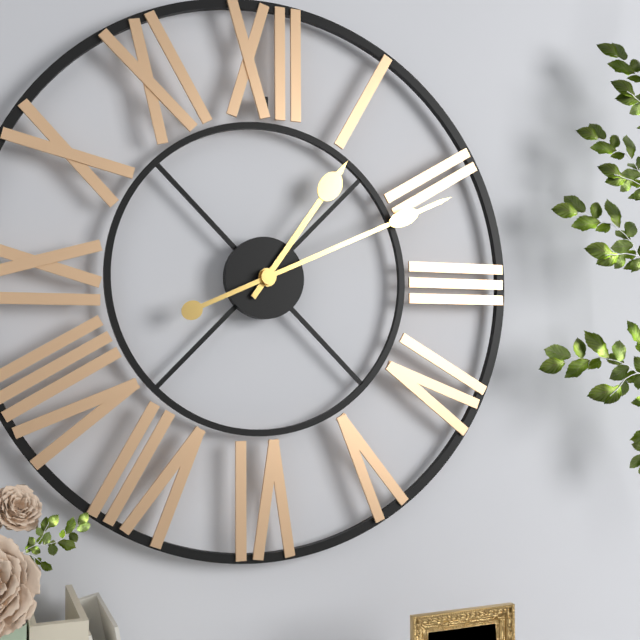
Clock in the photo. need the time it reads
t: 1:11
